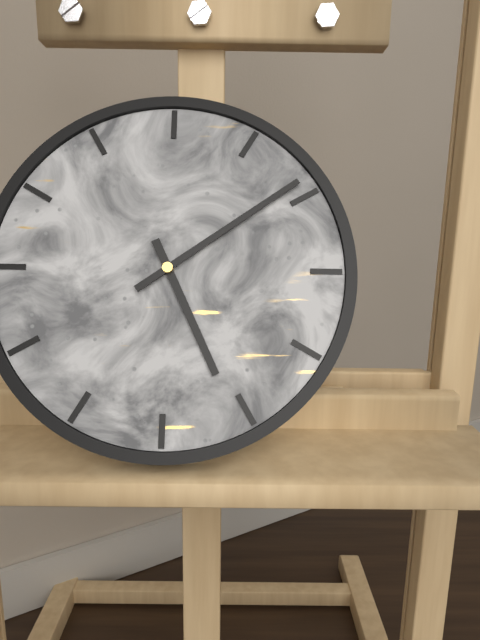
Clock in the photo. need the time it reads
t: 5:09
